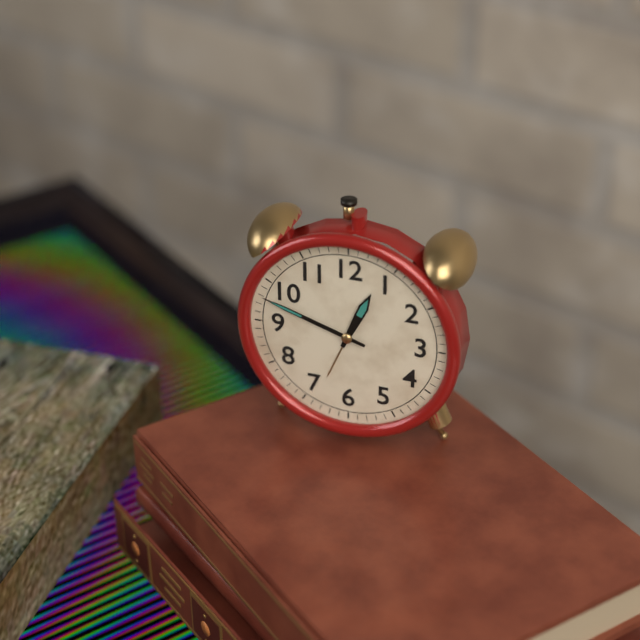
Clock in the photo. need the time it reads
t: 12:48
